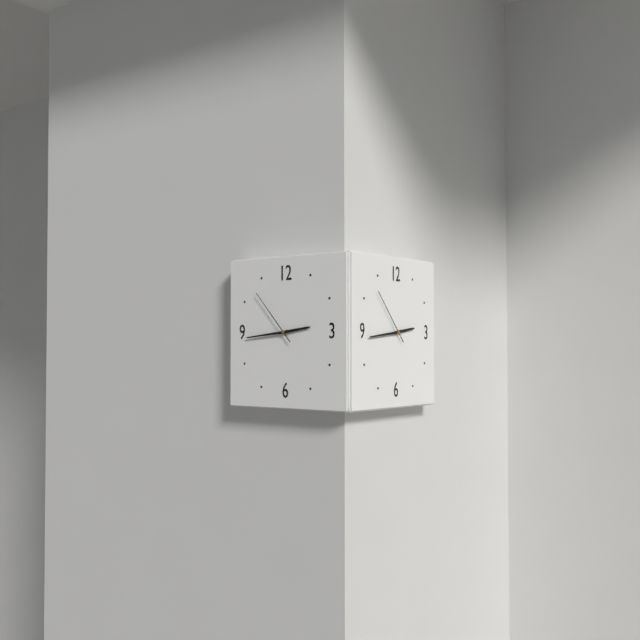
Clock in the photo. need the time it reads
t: 2:44:53
